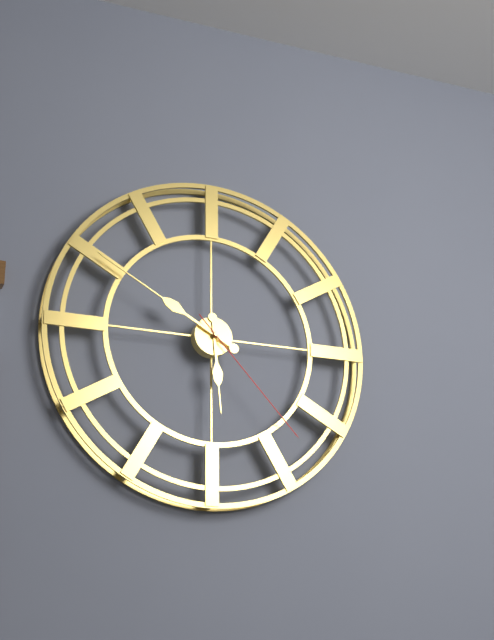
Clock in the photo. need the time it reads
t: 5:50:23
